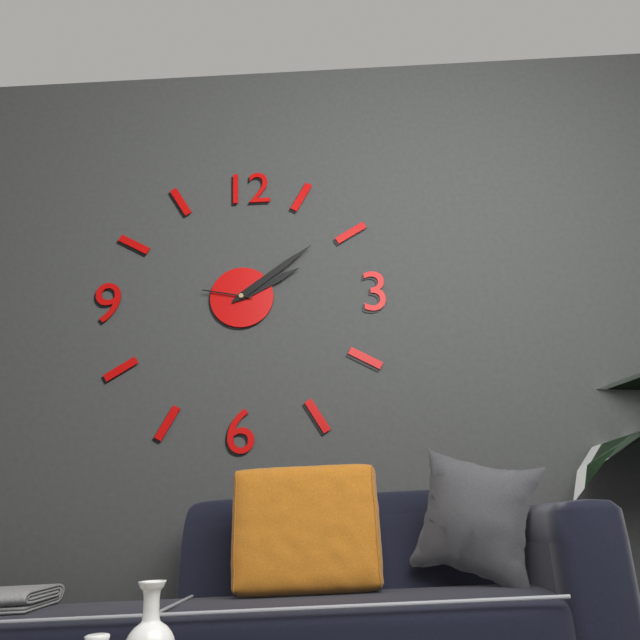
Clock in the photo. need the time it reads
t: 2:09:47
